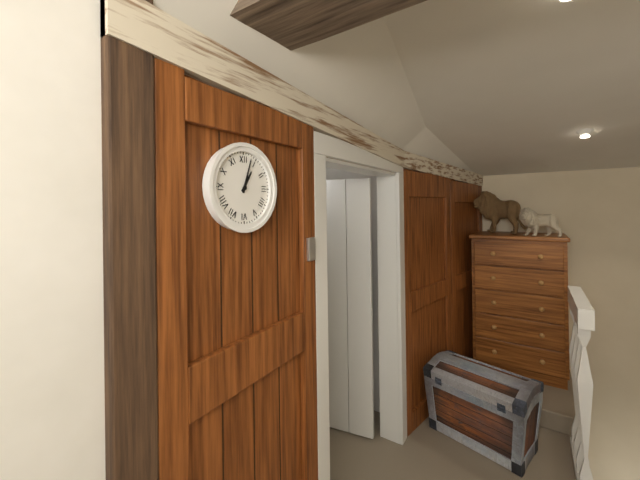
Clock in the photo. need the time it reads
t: 1:03
